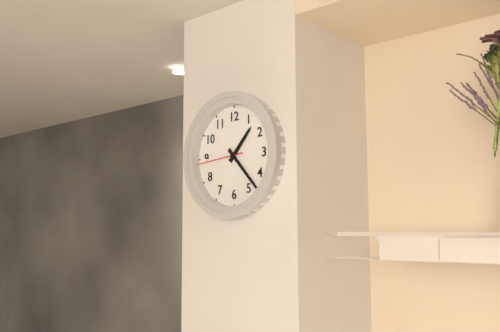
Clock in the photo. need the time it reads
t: 1:23
